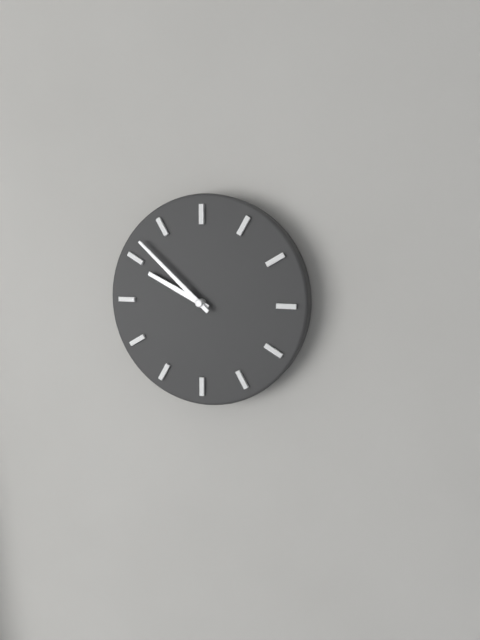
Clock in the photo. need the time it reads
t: 9:52
